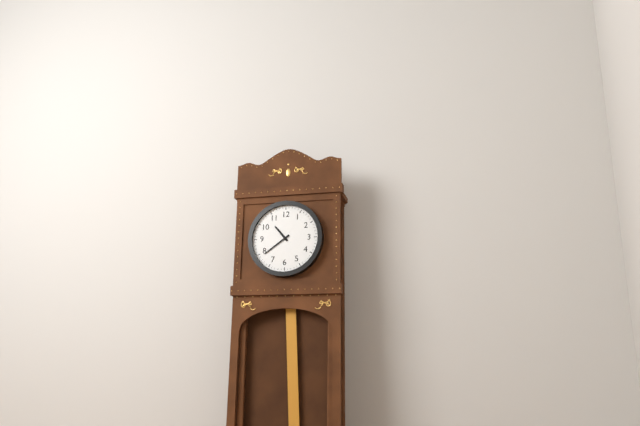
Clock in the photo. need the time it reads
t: 10:39
